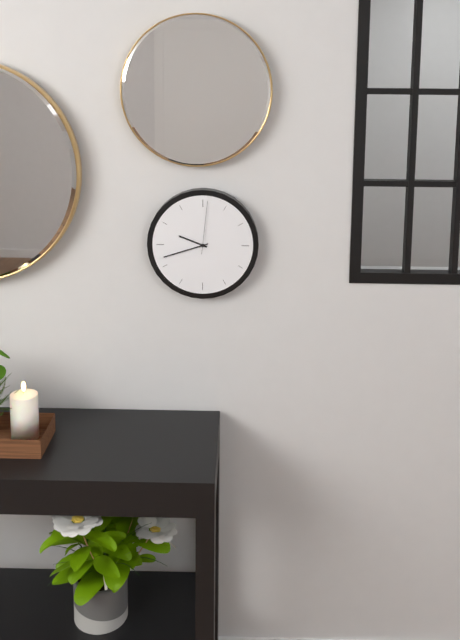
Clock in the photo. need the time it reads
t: 9:42:01
